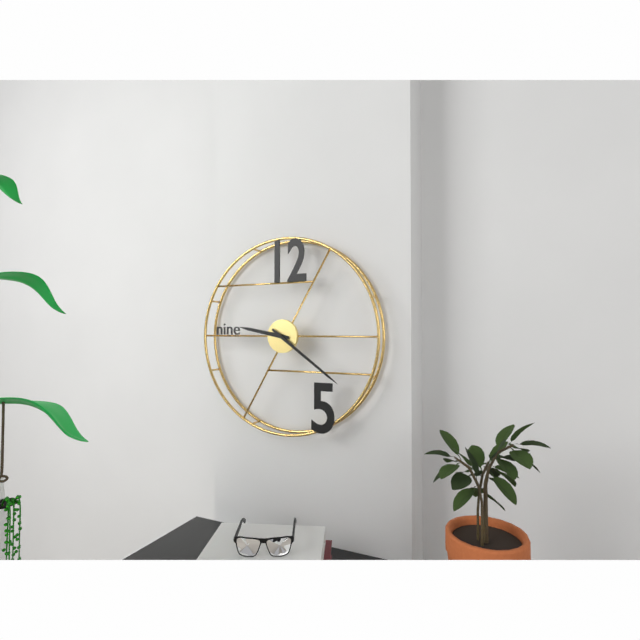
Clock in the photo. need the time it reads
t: 9:21
